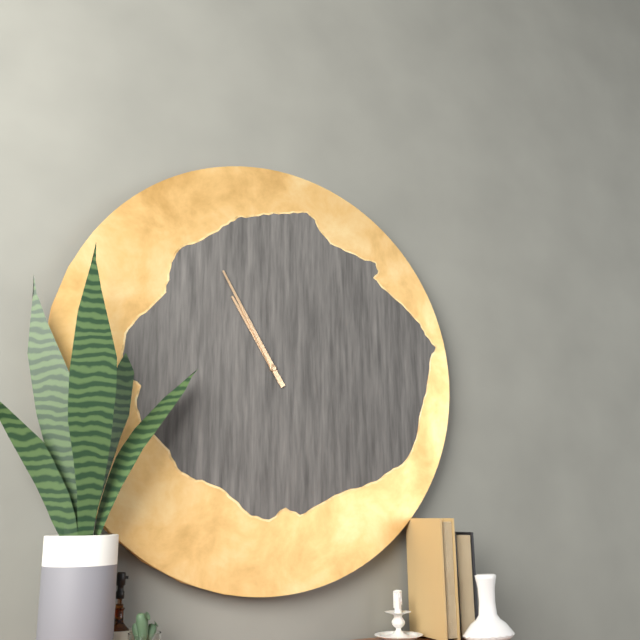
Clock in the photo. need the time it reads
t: 10:55
